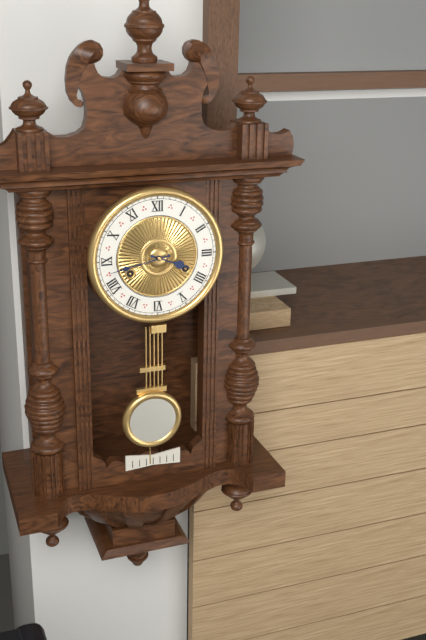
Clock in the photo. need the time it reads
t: 3:43
